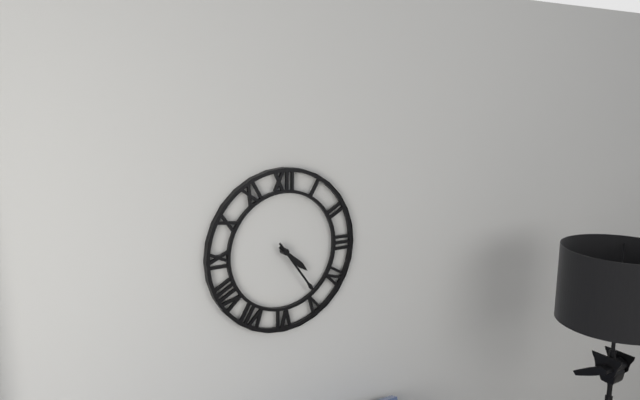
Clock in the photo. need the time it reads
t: 4:24
